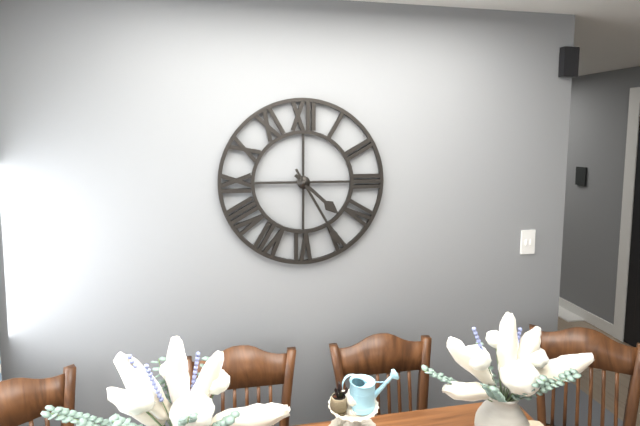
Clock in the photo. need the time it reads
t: 4:25
